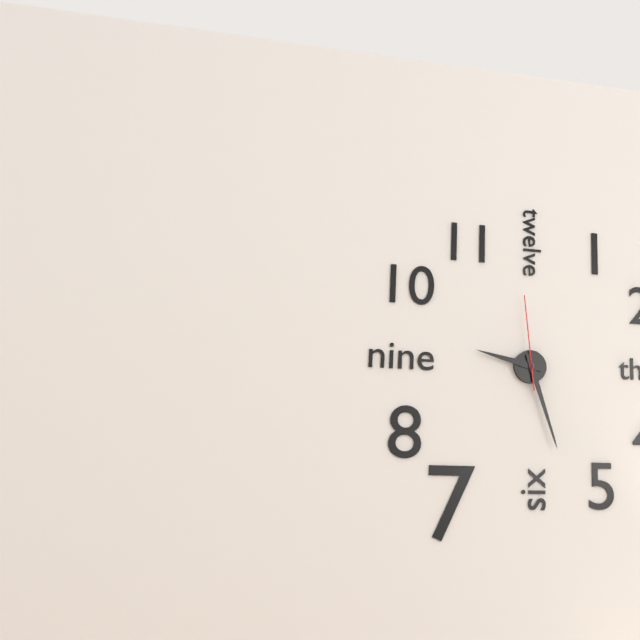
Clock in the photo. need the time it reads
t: 9:27:59
